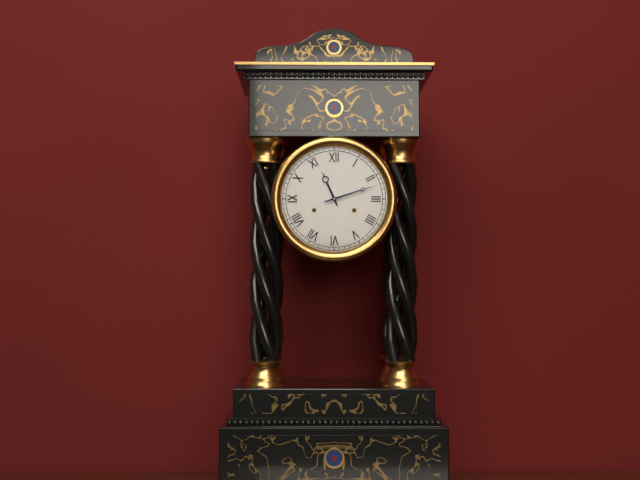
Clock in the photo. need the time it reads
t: 11:12
